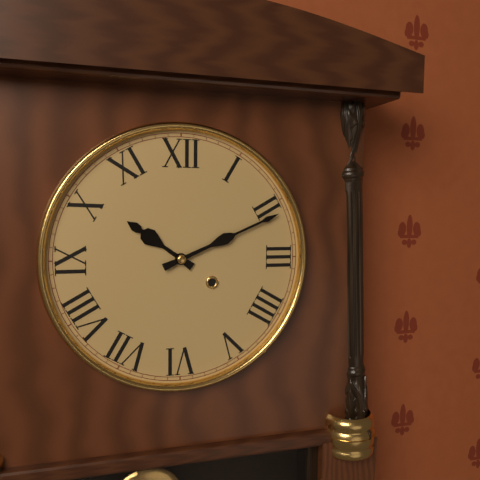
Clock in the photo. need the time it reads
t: 10:11
